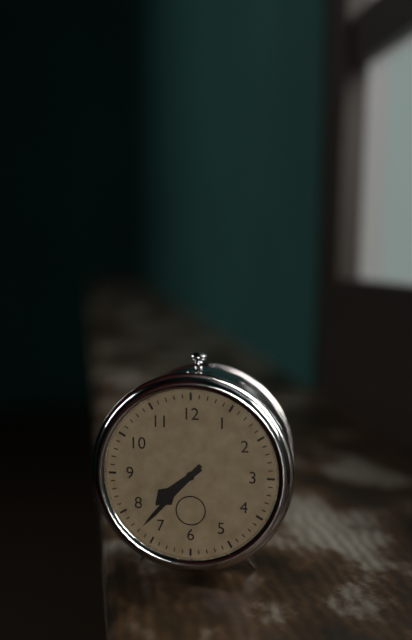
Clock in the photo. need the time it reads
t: 7:37
